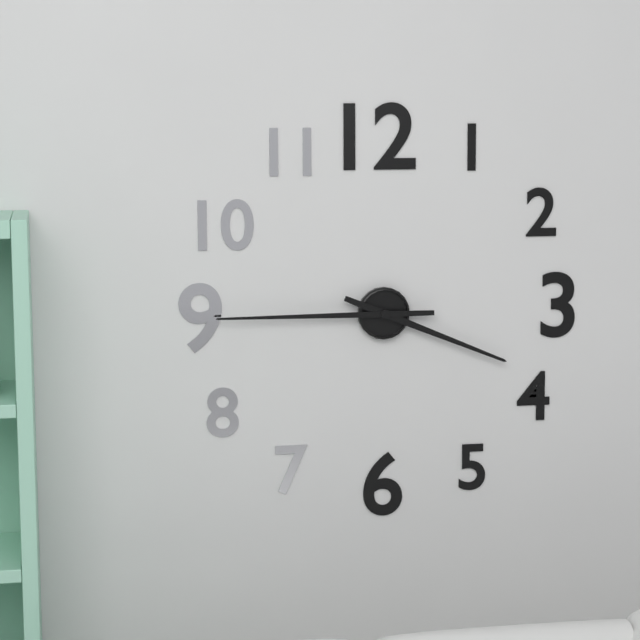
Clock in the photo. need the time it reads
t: 3:45
